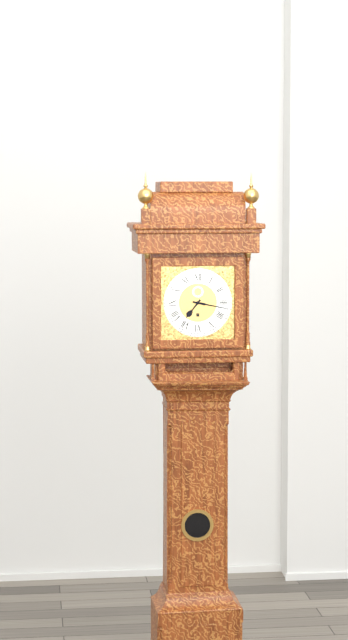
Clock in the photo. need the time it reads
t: 7:17
